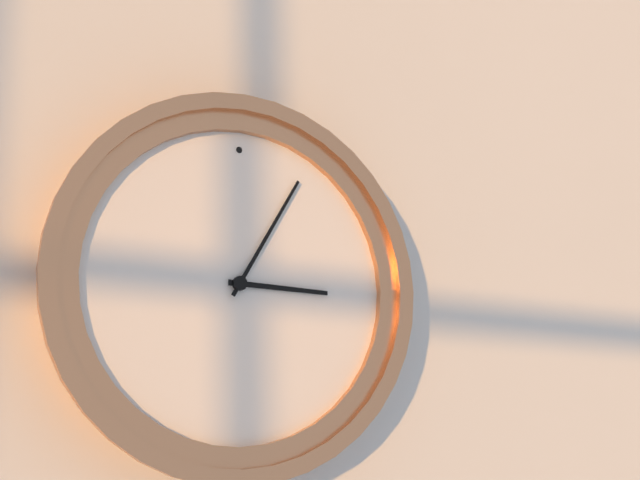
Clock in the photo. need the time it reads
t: 3:05
